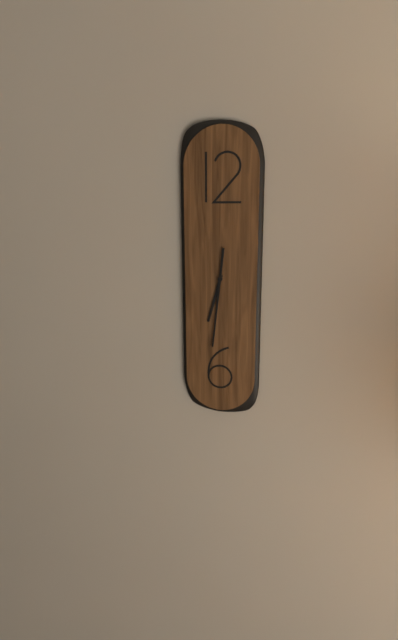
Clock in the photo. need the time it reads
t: 6:31
